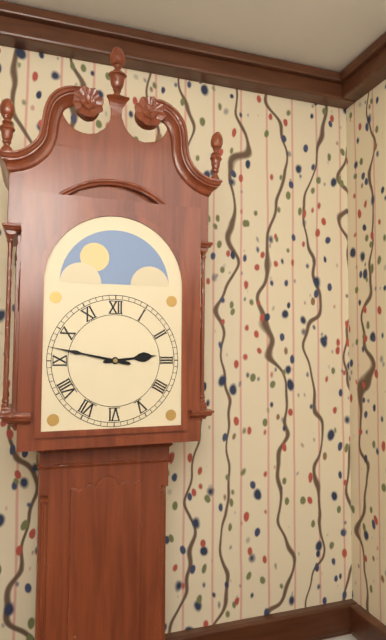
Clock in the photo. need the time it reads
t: 2:47
